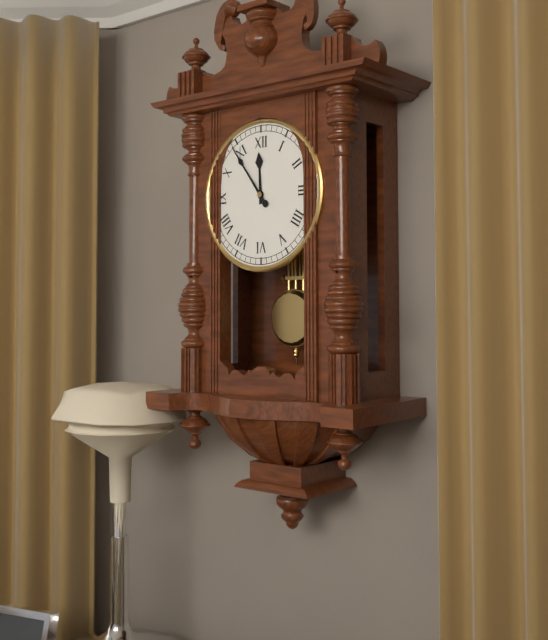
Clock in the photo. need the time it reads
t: 11:54
